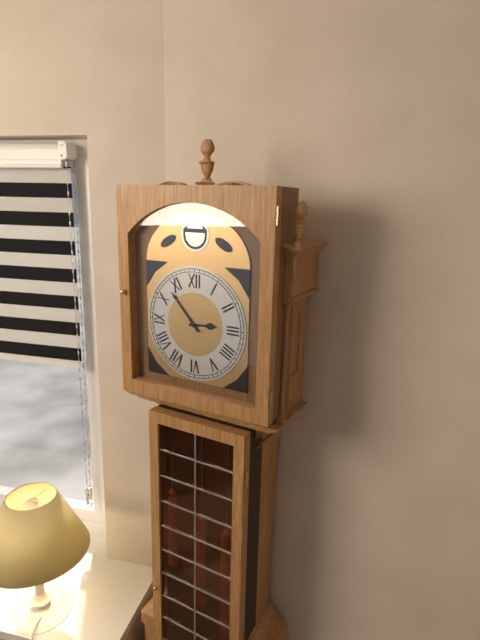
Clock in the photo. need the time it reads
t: 2:53
